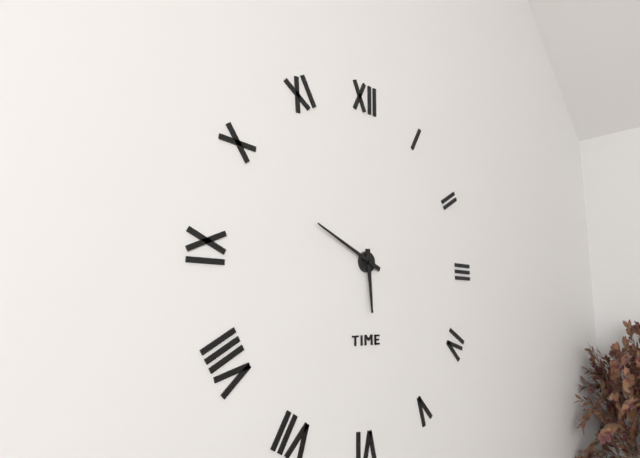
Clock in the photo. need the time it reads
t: 5:49
